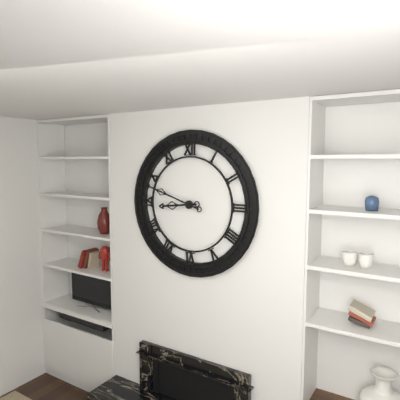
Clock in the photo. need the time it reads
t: 8:48
